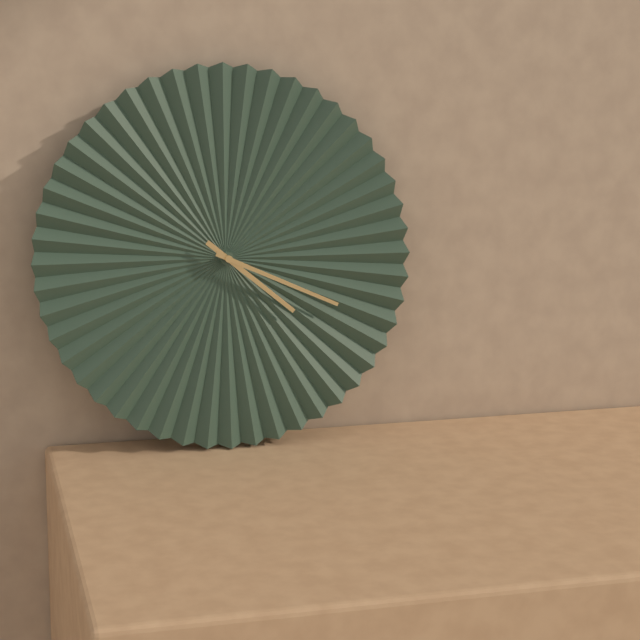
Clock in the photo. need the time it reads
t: 4:19
